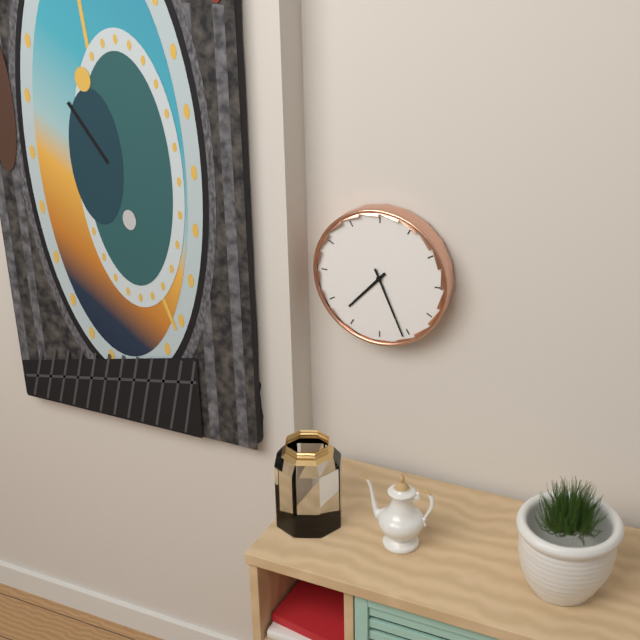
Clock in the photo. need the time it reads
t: 7:26
